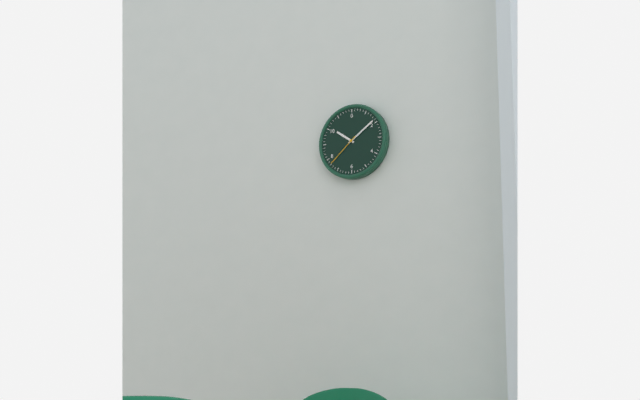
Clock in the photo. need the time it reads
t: 10:09
